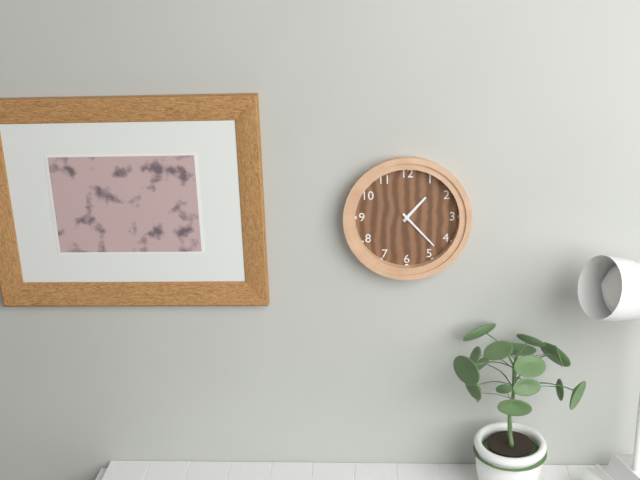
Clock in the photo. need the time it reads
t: 1:23
